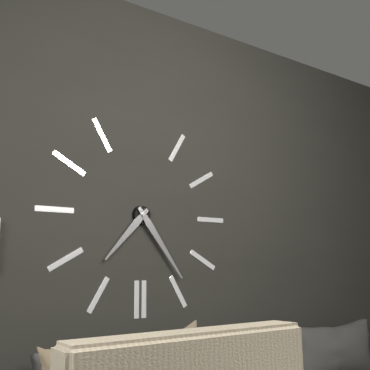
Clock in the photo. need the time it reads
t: 7:24
